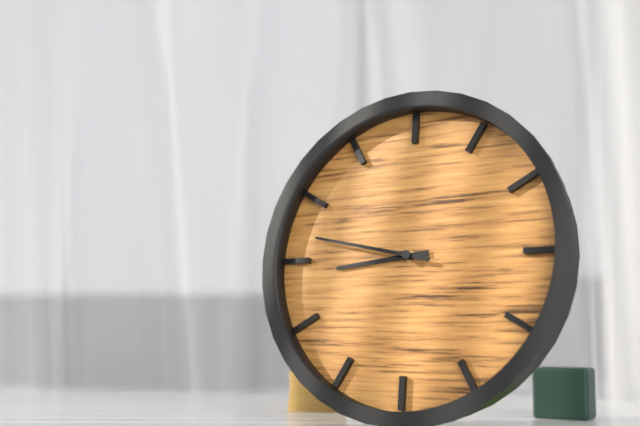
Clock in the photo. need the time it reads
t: 8:47
